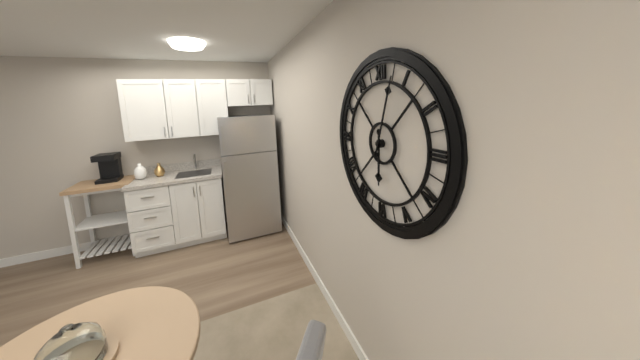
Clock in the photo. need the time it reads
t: 6:03
